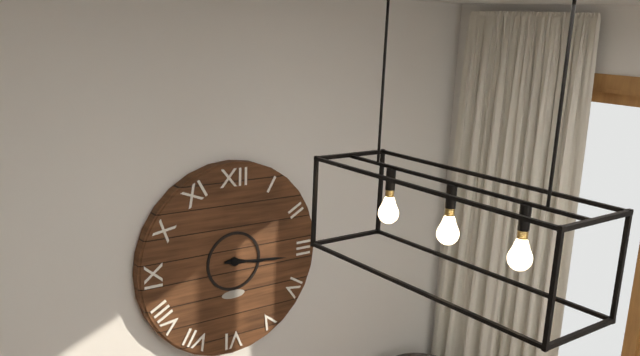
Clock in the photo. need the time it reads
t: 3:16
